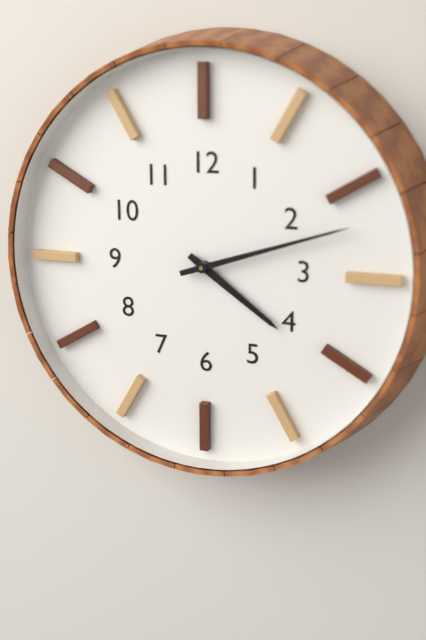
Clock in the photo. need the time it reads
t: 4:12
